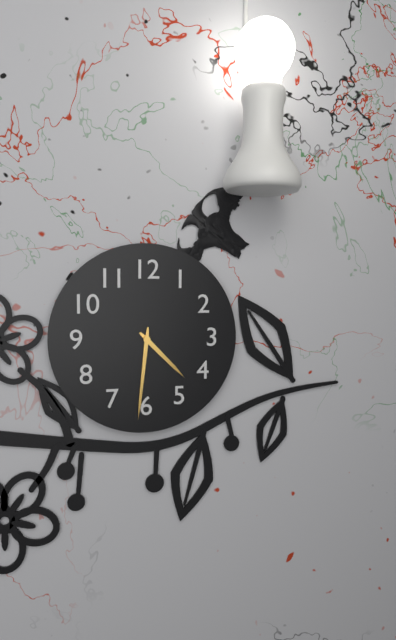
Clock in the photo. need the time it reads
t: 4:31
